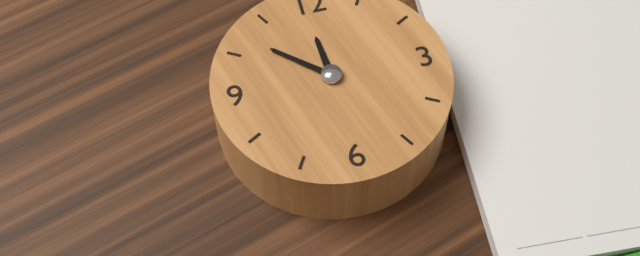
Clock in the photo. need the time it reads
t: 11:52
